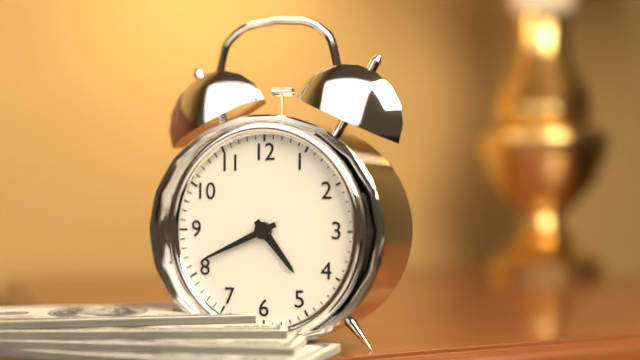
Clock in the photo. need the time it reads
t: 4:41
